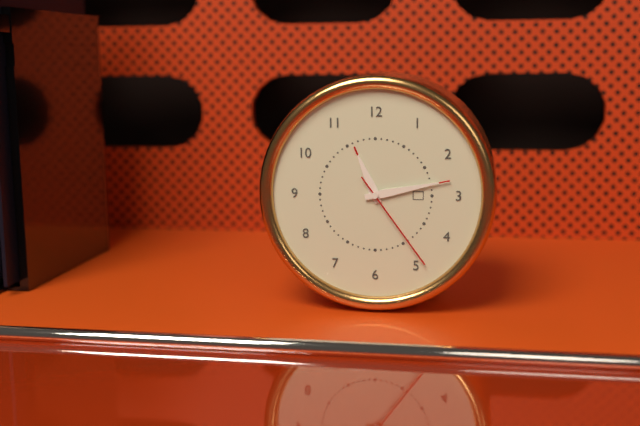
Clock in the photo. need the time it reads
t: 11:13:24
